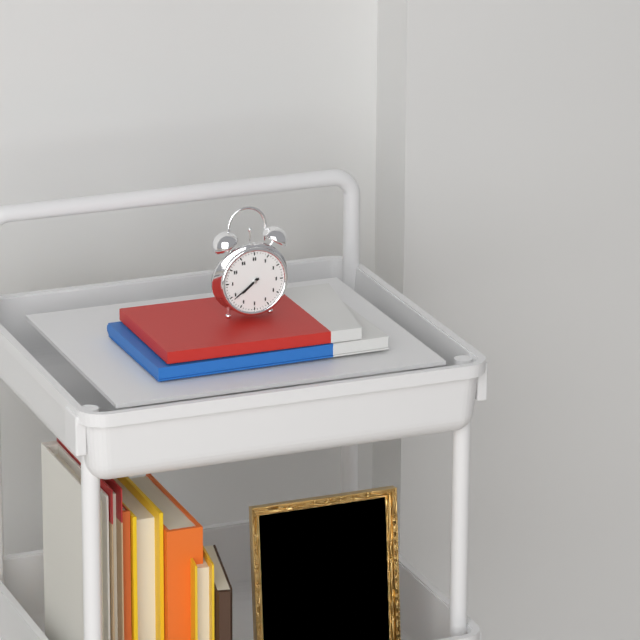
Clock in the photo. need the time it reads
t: 7:39
